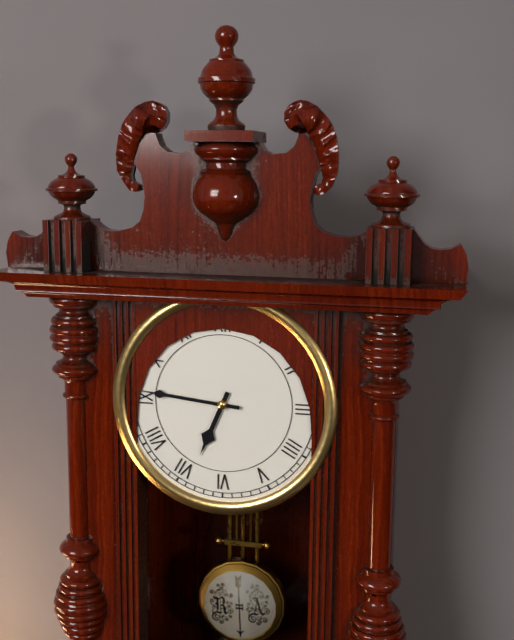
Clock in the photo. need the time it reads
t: 6:46
